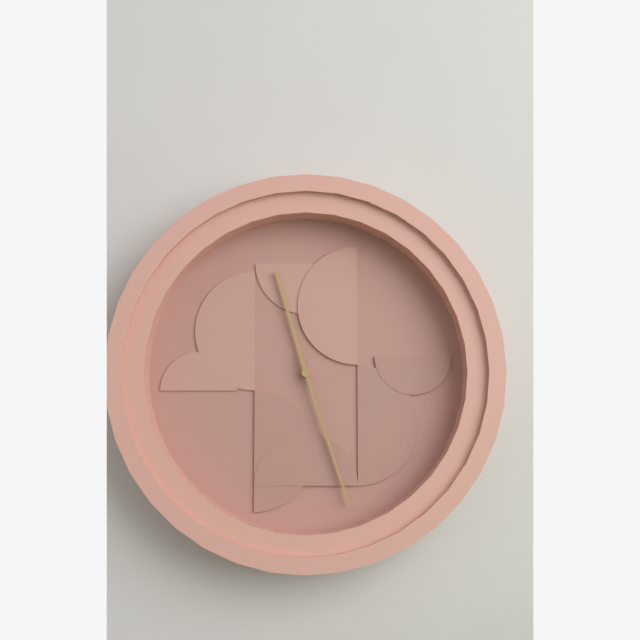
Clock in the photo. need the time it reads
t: 11:27
